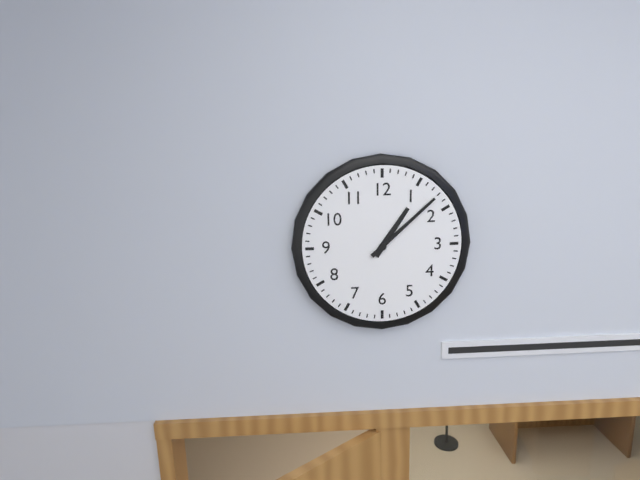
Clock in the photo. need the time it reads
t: 1:08
